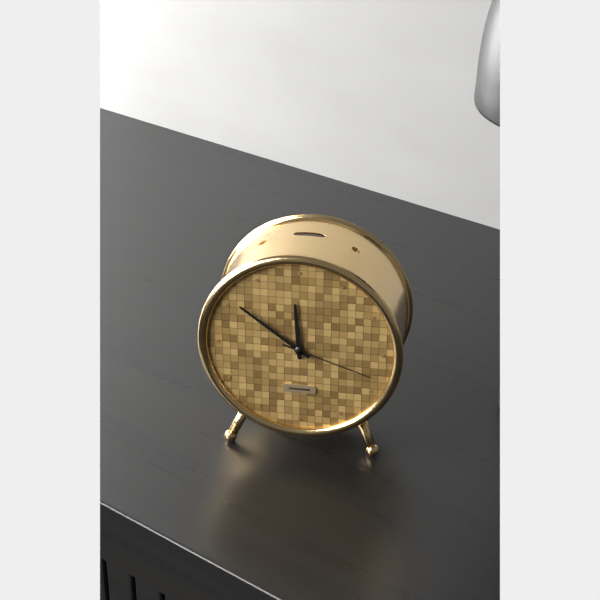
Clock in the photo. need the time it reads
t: 11:51:18
